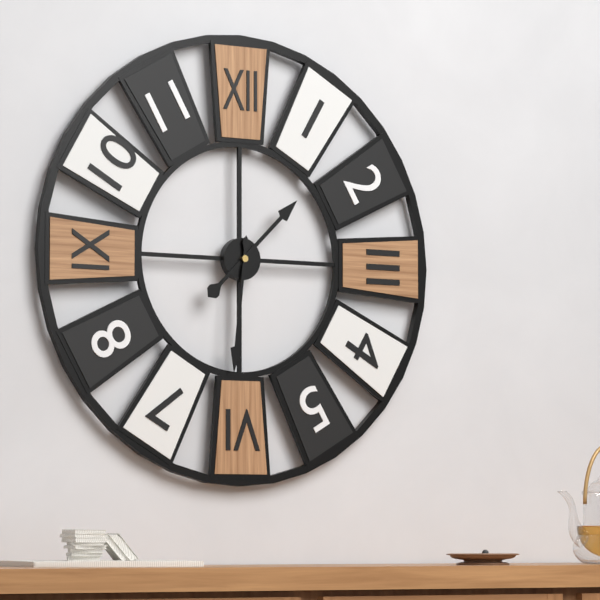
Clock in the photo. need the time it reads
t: 1:31
